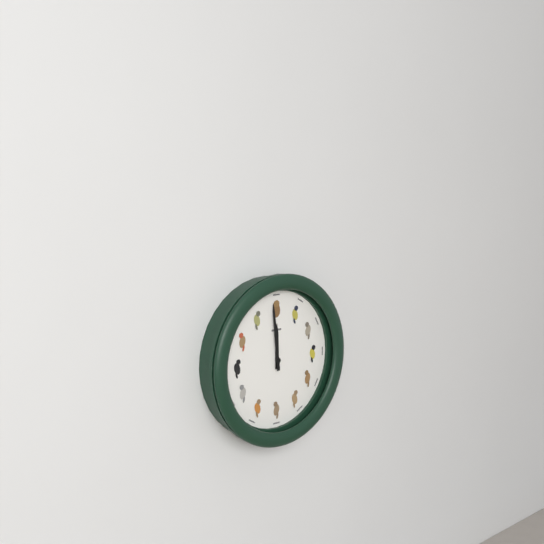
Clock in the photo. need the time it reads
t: 11:59
